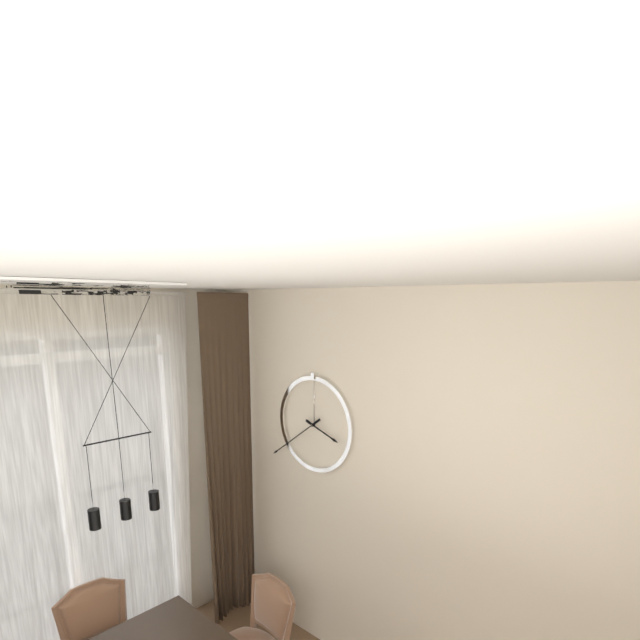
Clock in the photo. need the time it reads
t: 3:39
